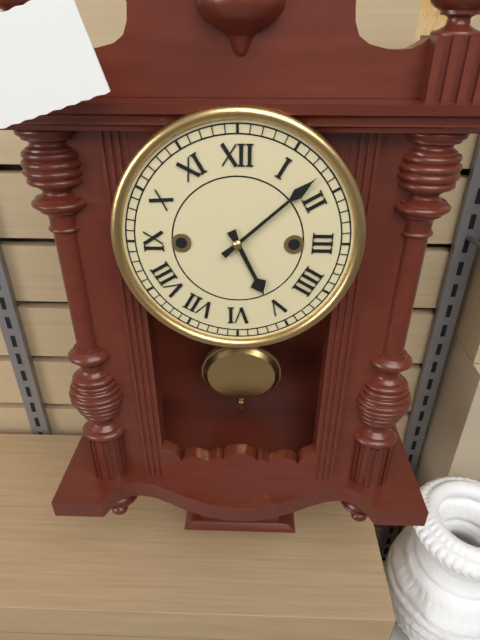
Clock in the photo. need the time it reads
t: 5:08
